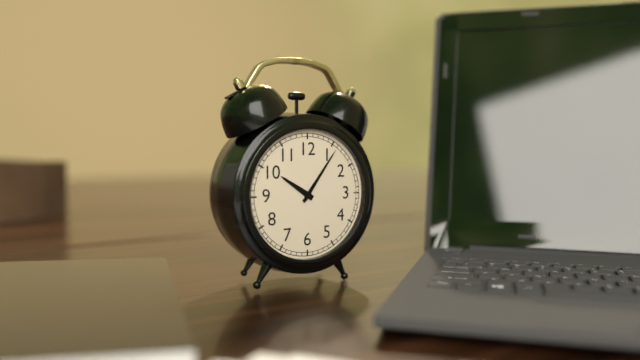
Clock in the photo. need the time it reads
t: 10:06
